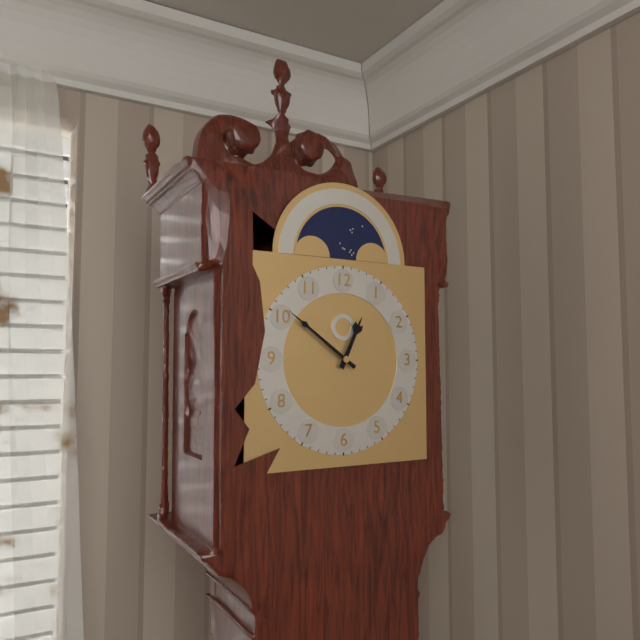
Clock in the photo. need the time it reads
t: 12:51
